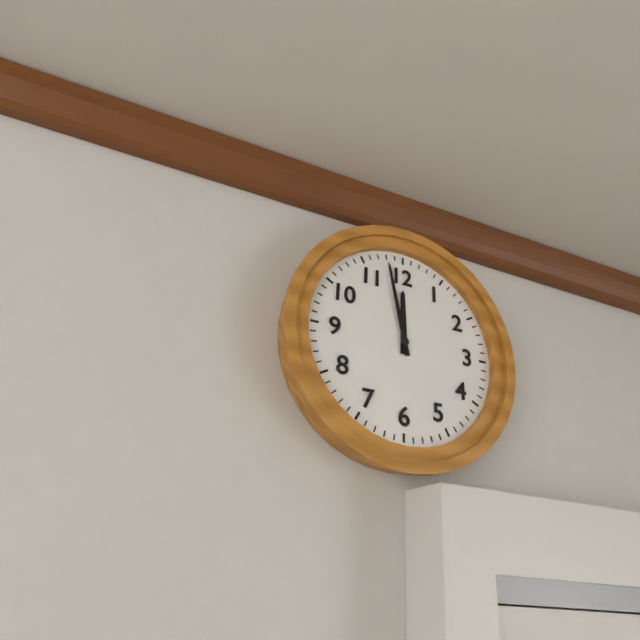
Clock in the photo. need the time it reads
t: 11:58
